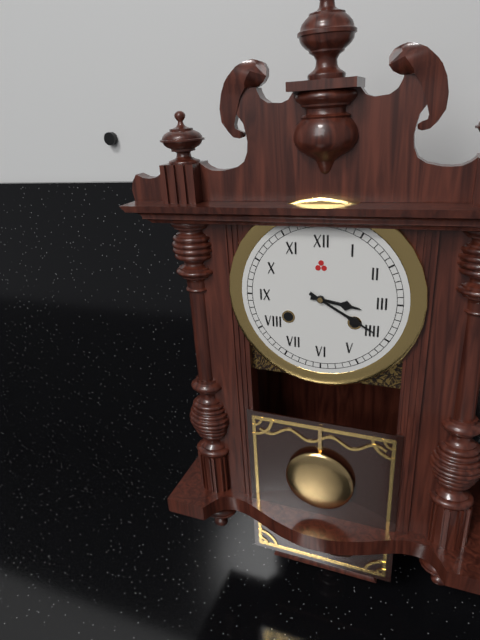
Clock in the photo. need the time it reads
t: 3:20
